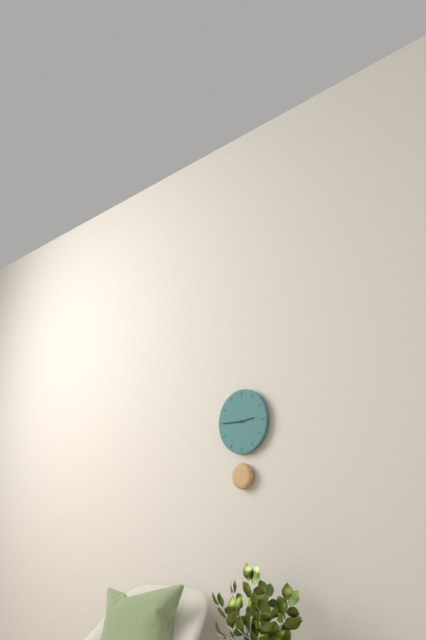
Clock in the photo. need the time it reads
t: 2:45
